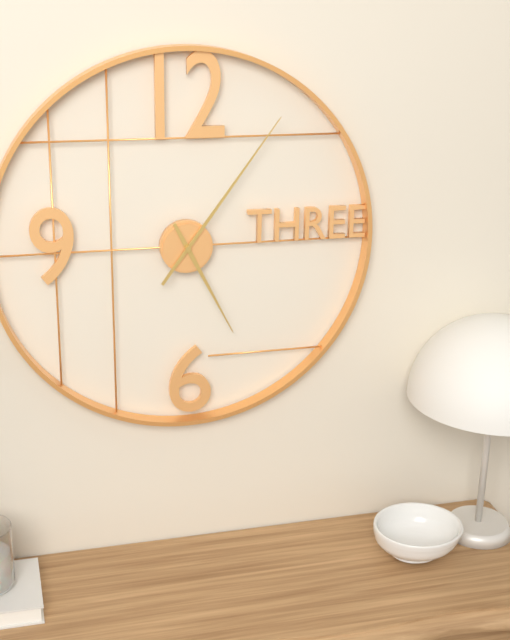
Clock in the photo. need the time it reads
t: 5:06
